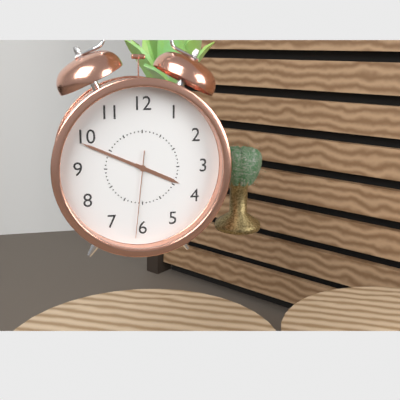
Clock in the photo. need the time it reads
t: 3:49:31
